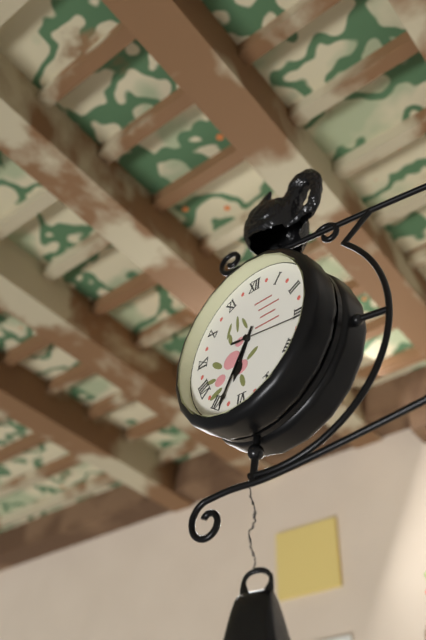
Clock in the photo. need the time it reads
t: 6:34:16
